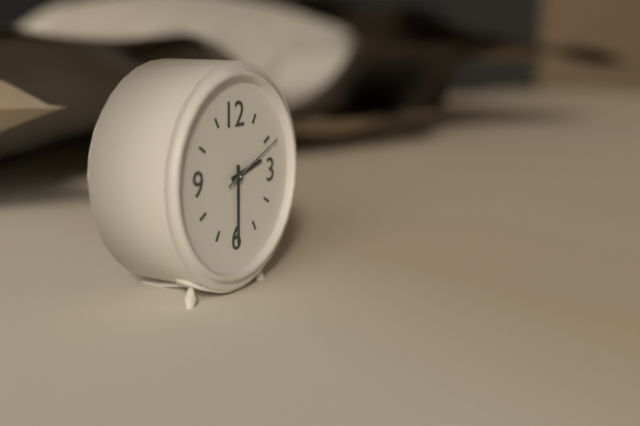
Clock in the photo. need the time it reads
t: 2:30:11
